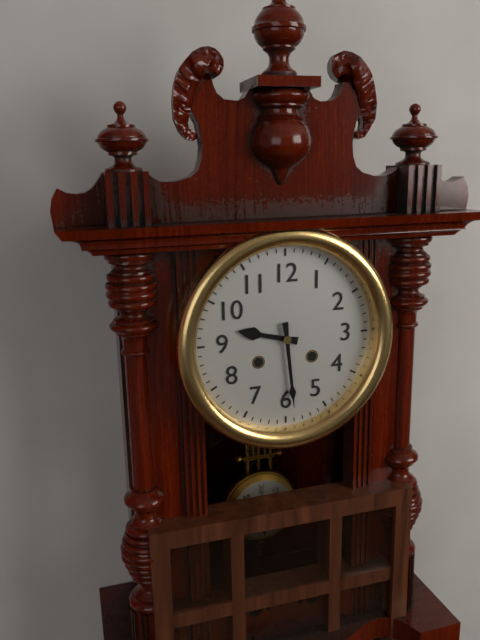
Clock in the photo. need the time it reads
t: 9:29
